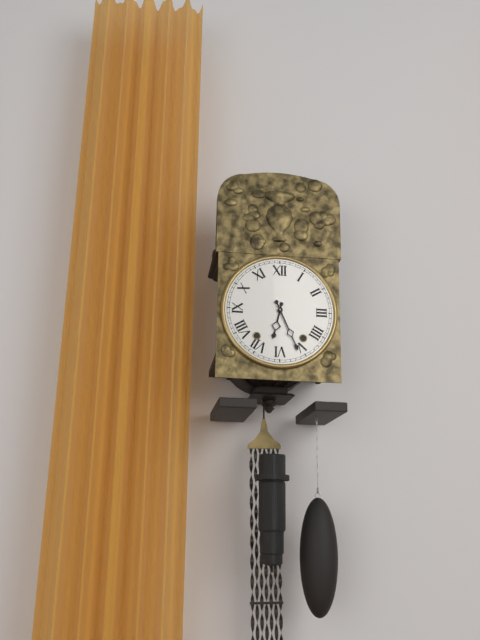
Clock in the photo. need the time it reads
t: 6:26
